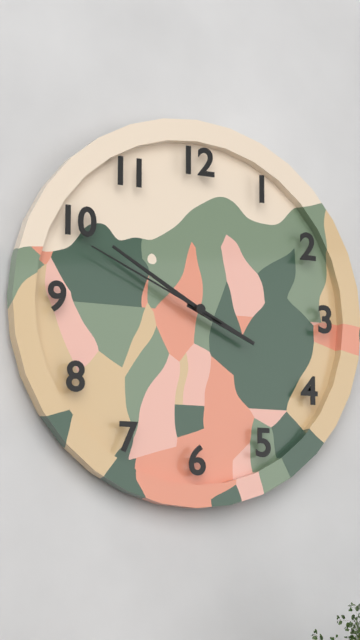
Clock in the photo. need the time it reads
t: 3:50:49
